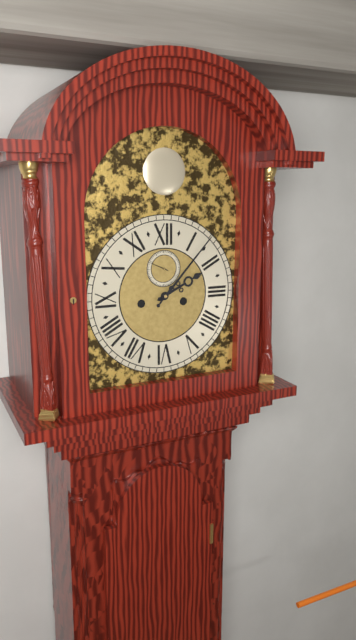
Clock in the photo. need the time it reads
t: 2:07
